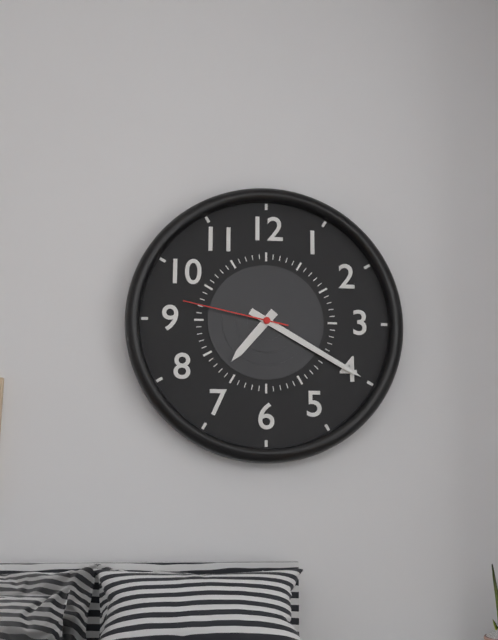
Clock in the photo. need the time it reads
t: 7:20:47
